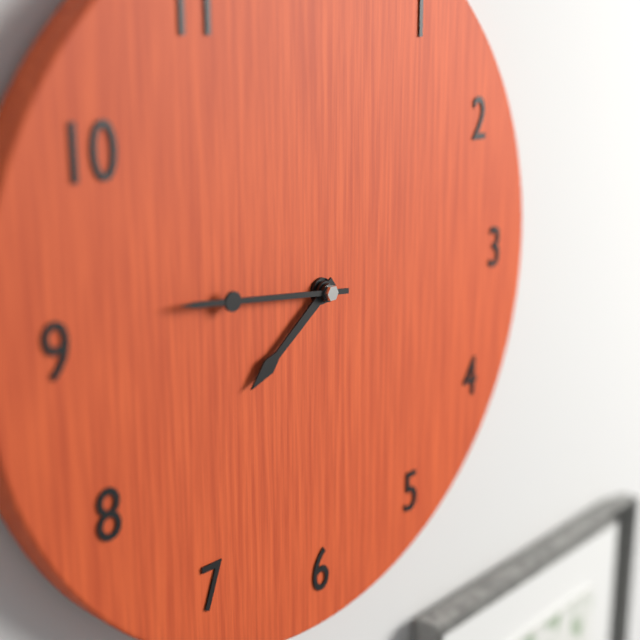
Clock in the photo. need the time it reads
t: 7:46
